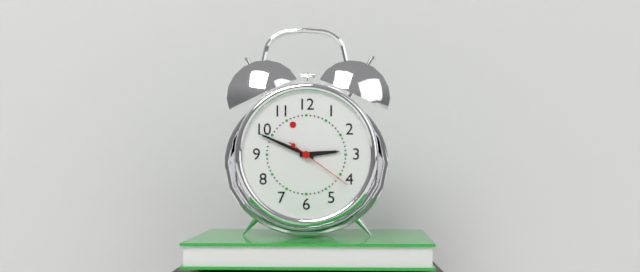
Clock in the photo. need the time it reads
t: 2:49:21
